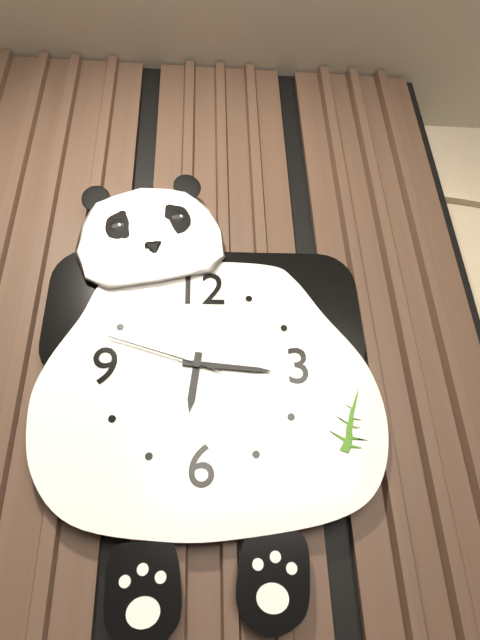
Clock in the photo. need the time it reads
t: 6:16:48
